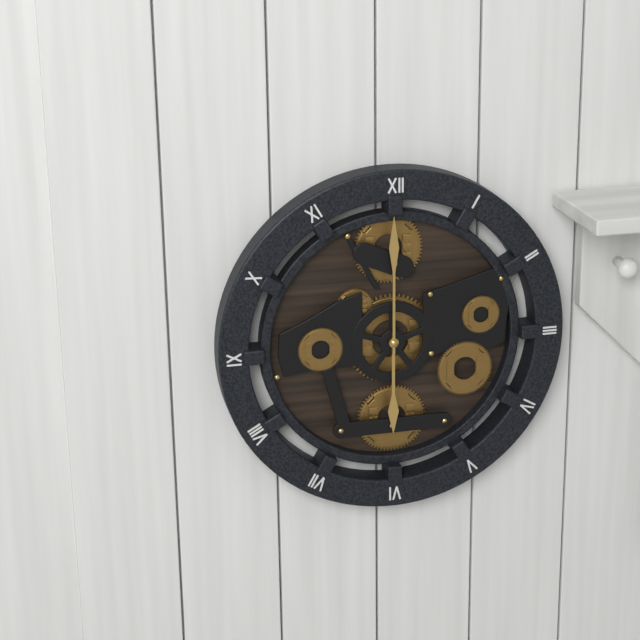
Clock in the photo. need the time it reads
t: 6:00
